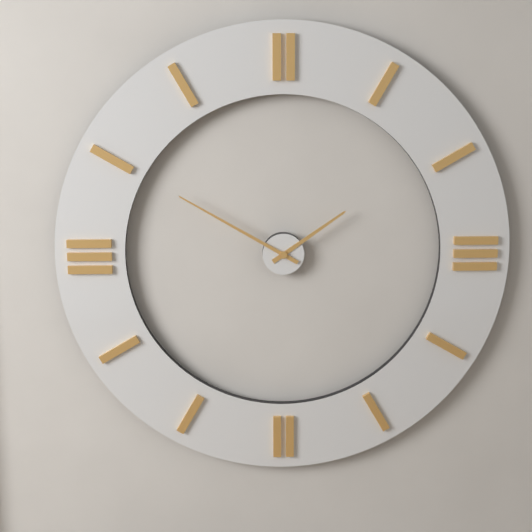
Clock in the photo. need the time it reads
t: 1:50
